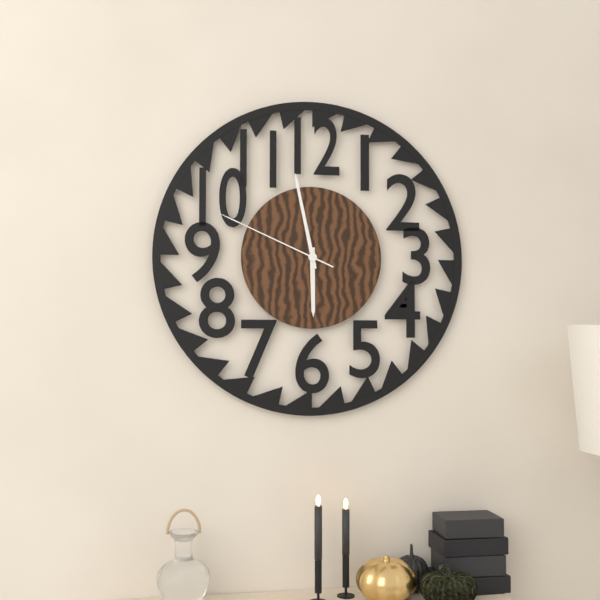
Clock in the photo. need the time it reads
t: 5:58:49
